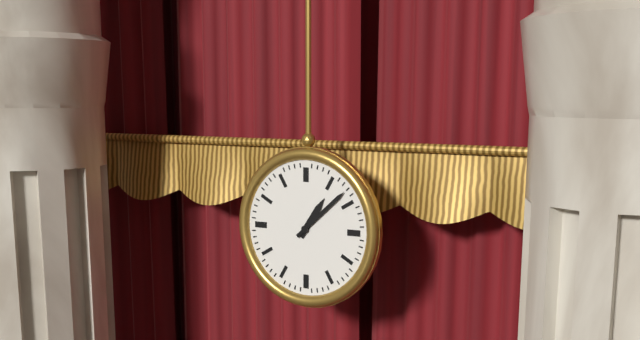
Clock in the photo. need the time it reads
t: 1:08
